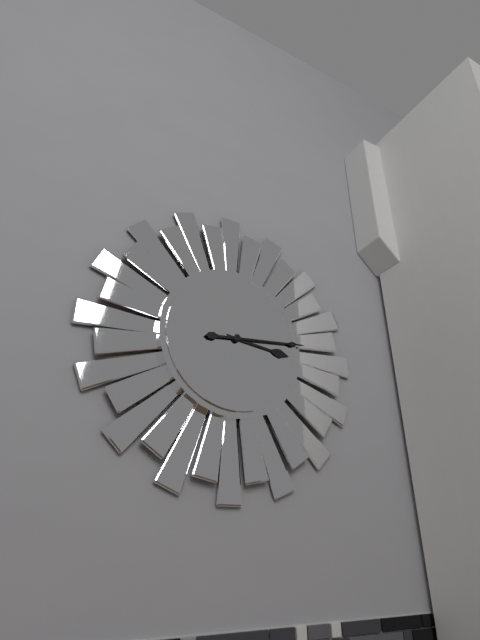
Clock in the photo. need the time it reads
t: 3:14
